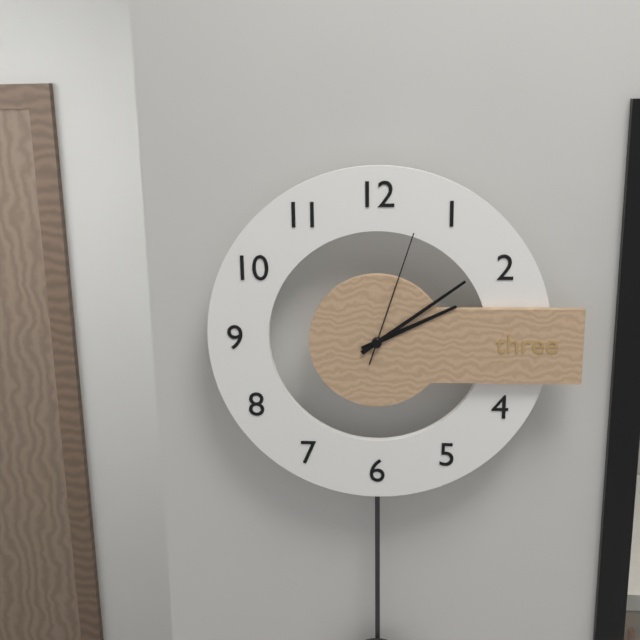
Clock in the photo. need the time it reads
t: 2:09:03
